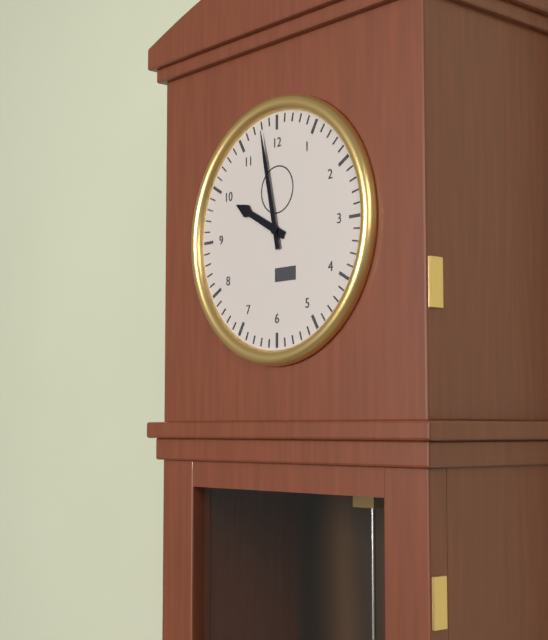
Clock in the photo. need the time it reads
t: 9:58
